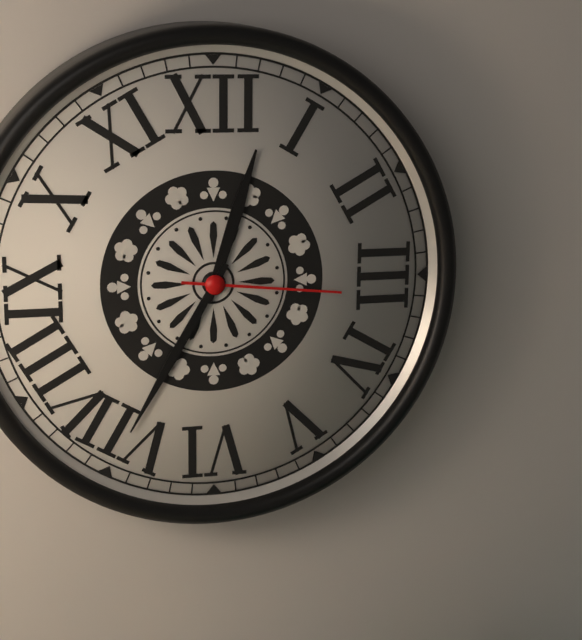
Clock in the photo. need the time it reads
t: 12:35:16
